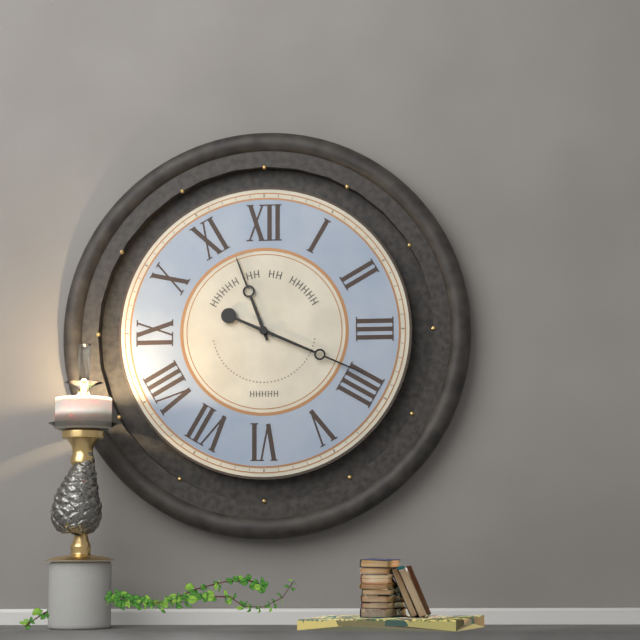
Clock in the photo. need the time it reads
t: 11:19
